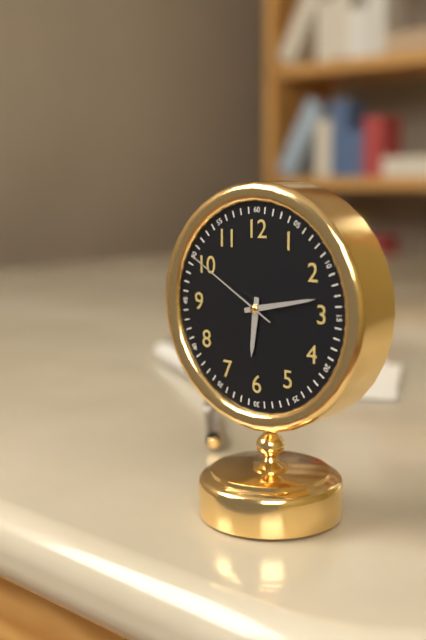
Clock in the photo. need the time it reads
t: 6:13:50
